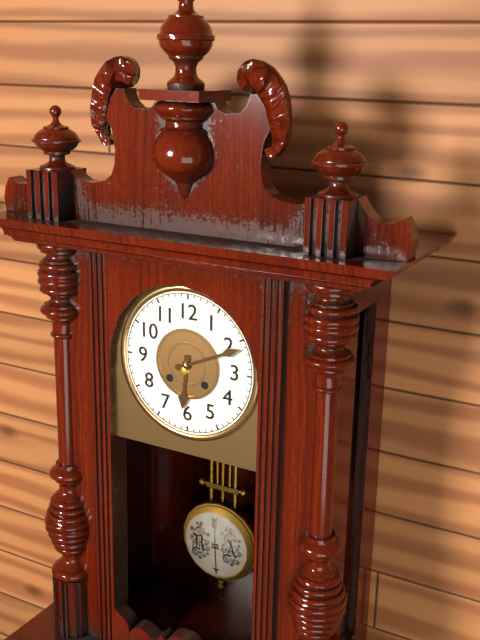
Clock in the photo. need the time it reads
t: 6:11
